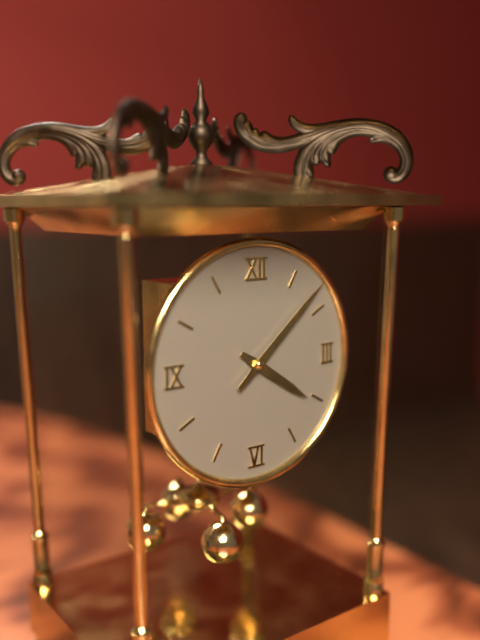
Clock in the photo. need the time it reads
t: 4:08
